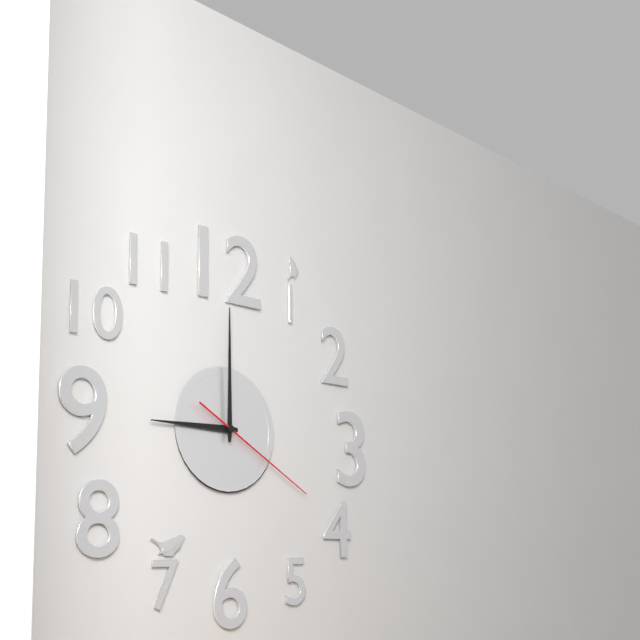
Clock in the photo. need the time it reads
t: 9:00:20
